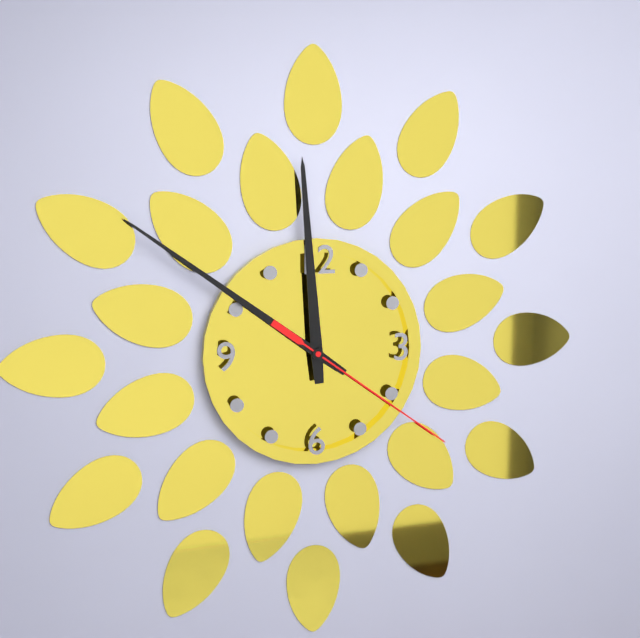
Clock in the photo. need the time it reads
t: 11:51:21
